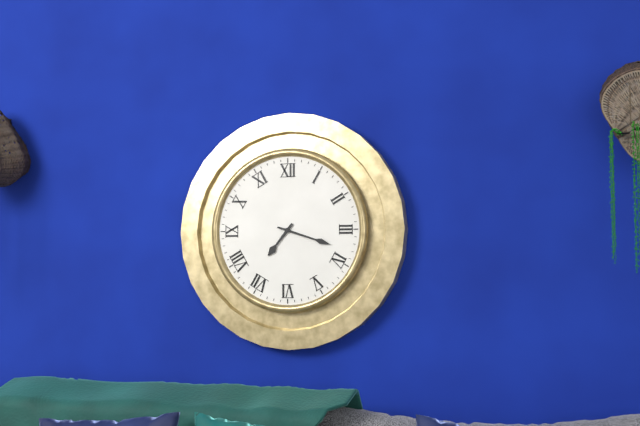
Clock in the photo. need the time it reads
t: 7:18
